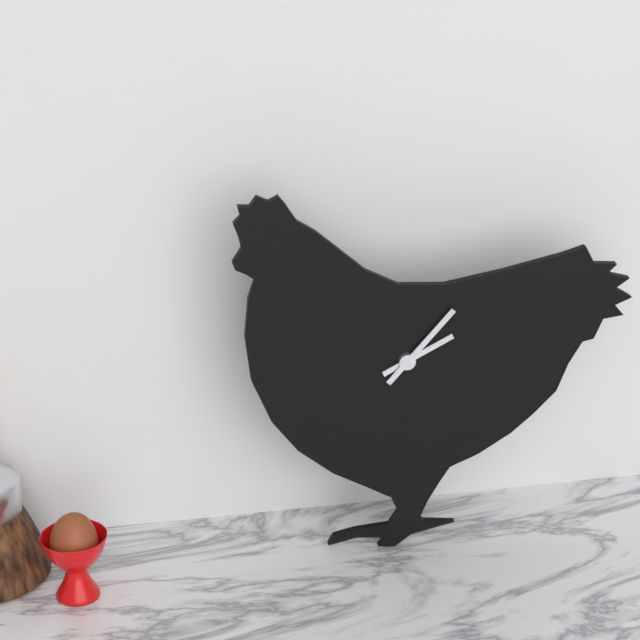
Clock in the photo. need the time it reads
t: 2:07
